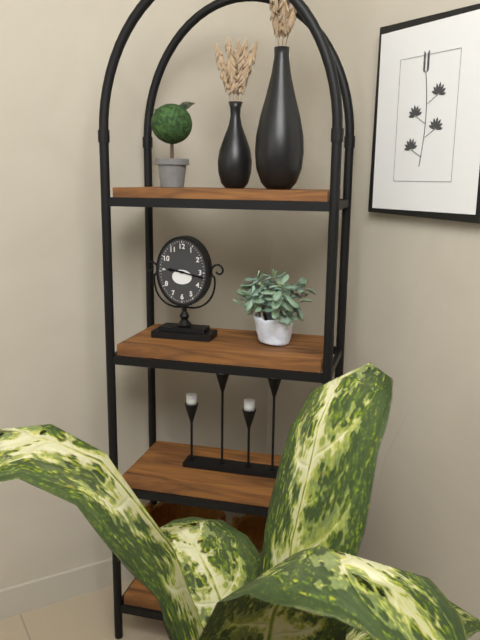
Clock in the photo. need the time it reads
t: 9:17
